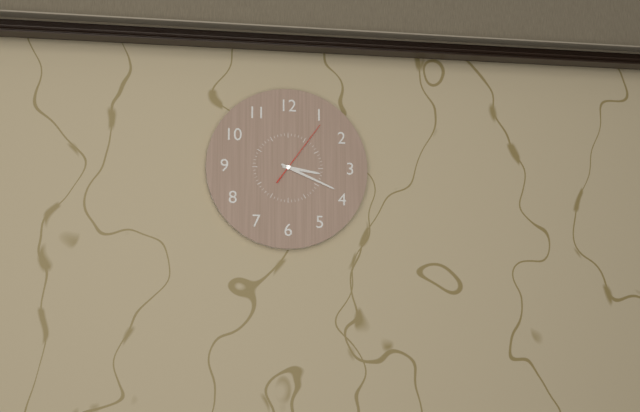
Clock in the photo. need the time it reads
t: 3:19:06
